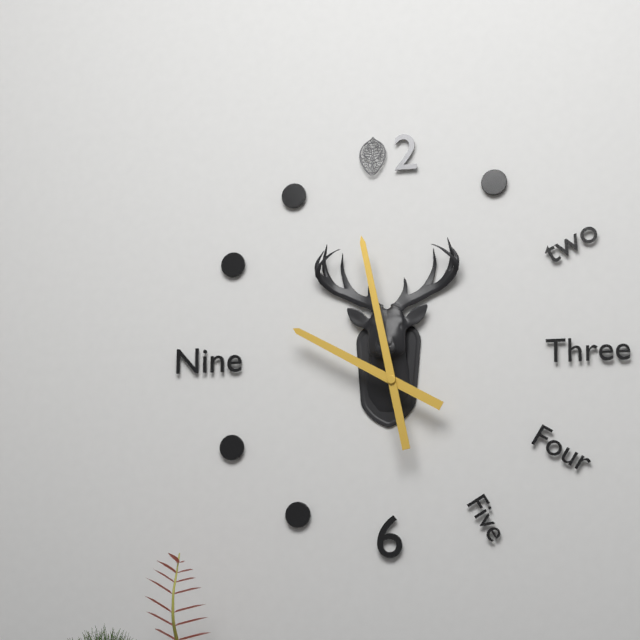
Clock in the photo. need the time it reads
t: 9:58
